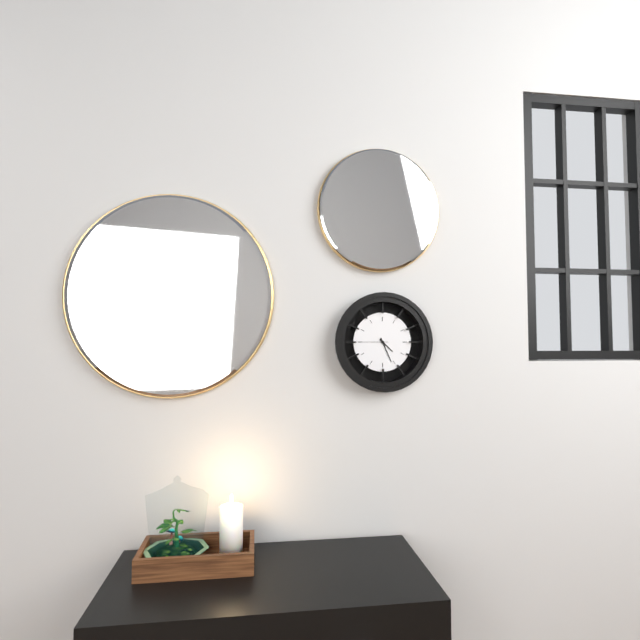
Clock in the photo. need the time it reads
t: 4:26
